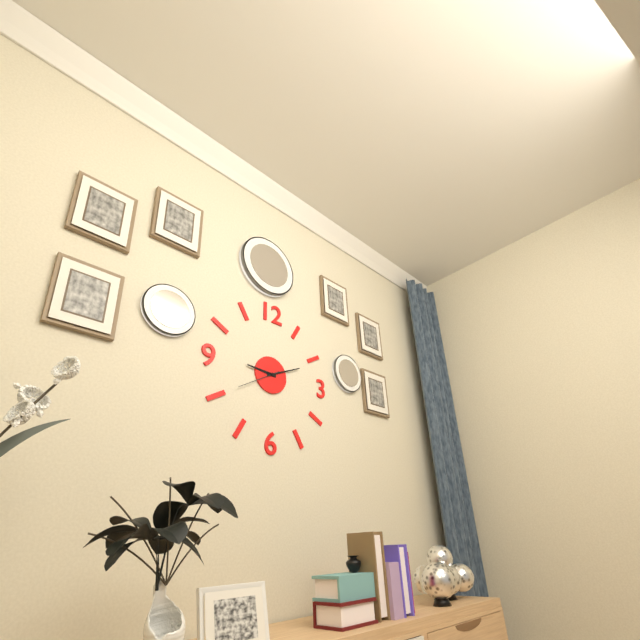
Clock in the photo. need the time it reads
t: 9:11
